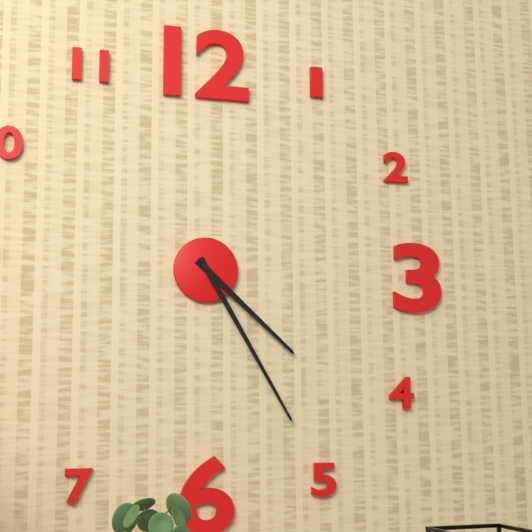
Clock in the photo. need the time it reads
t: 4:25
